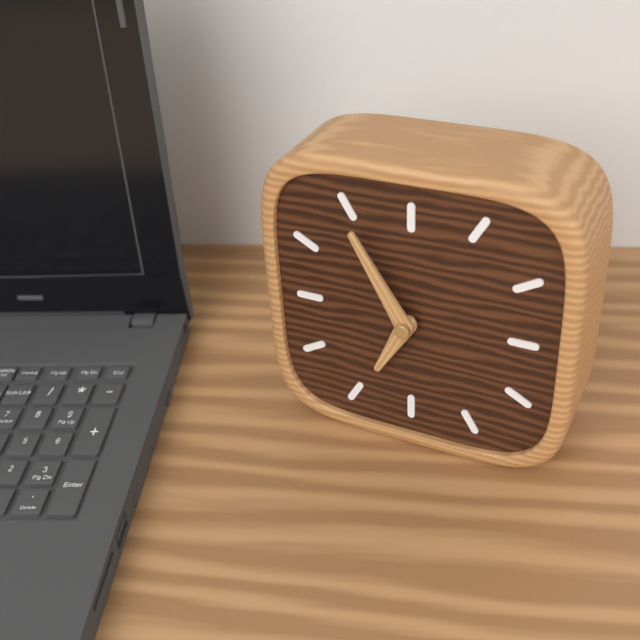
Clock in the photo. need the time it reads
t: 6:55
